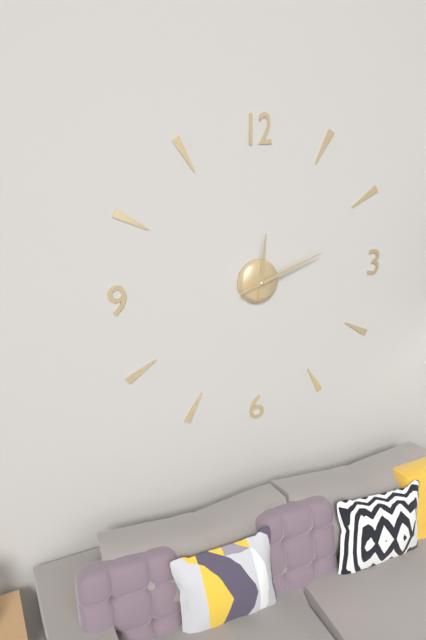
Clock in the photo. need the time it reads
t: 12:12
